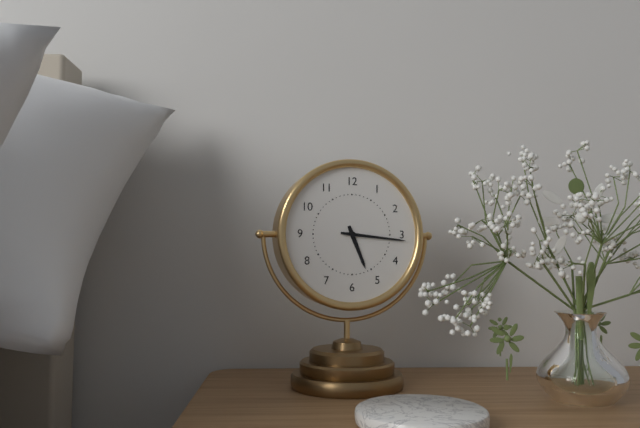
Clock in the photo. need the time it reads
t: 5:16
